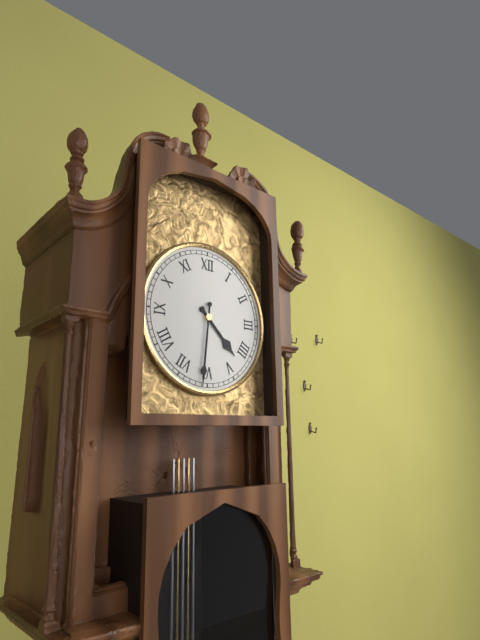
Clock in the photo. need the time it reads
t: 4:31
